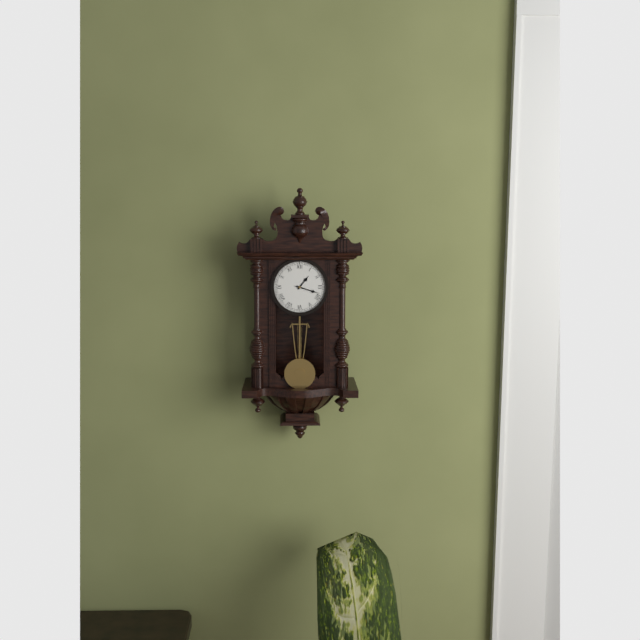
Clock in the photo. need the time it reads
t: 1:18
